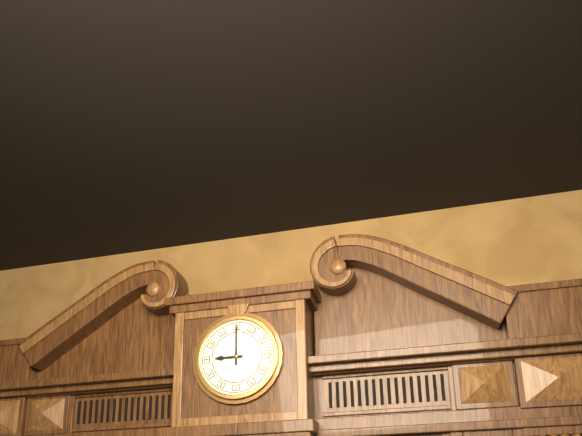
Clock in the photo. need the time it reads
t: 9:00
